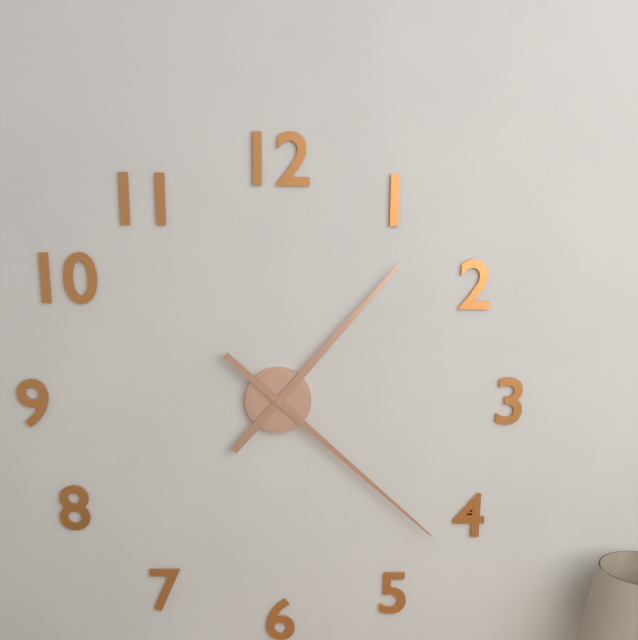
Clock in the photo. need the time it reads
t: 1:22
